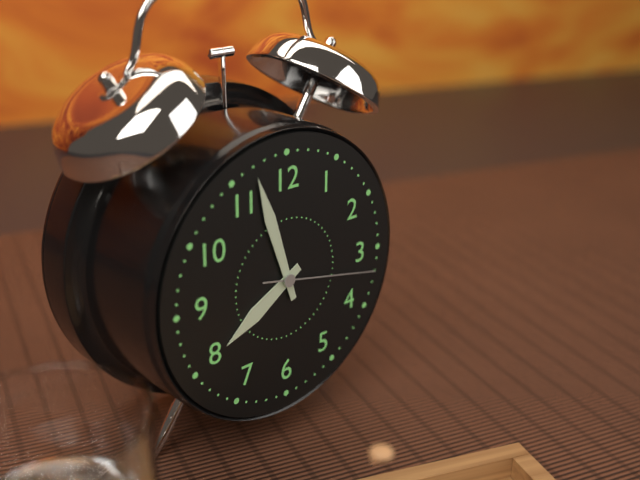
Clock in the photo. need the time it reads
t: 7:57:17
